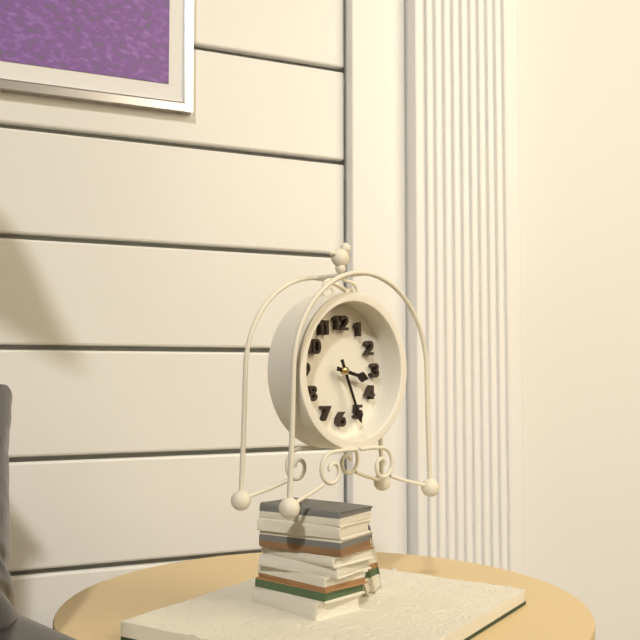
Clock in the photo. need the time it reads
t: 3:26
